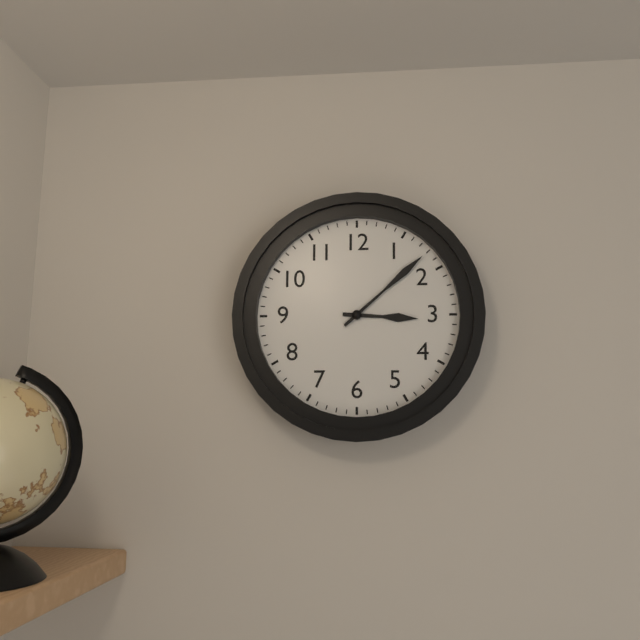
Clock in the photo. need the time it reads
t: 3:08
